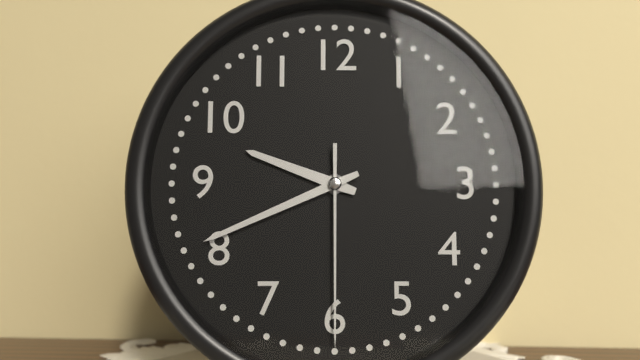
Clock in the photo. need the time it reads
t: 9:41:30
